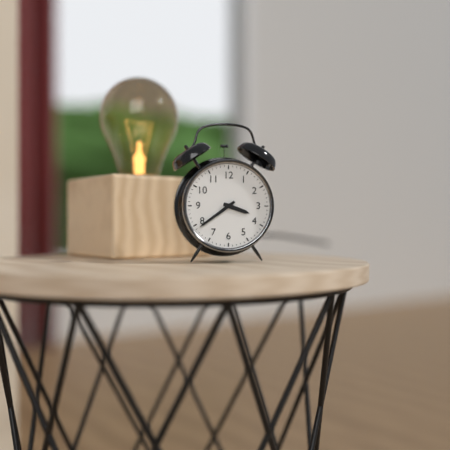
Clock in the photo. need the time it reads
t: 3:39
